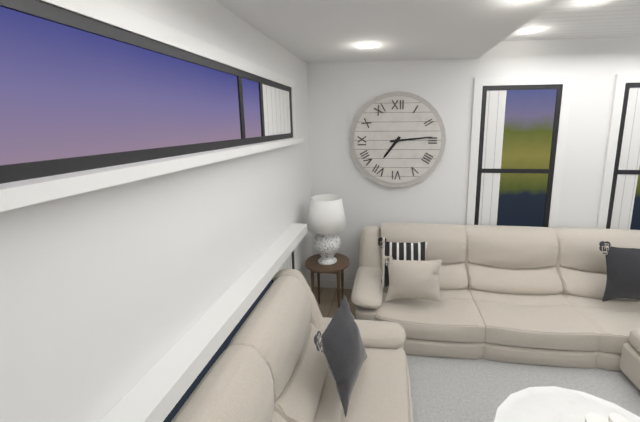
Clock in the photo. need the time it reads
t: 7:14
